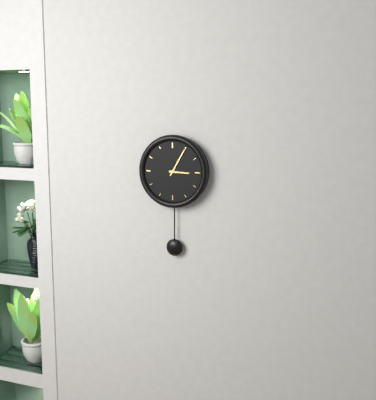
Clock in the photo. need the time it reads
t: 3:05
